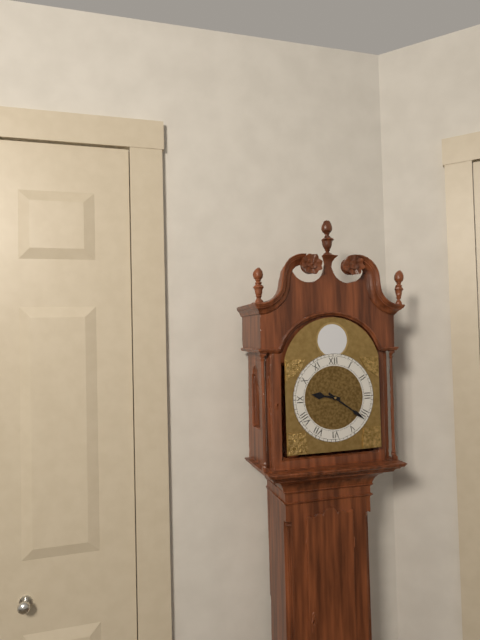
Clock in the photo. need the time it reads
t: 9:21
